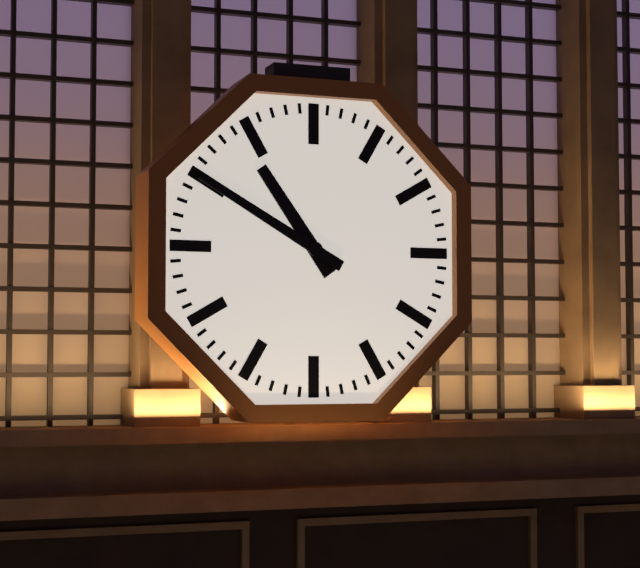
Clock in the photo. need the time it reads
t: 10:50
